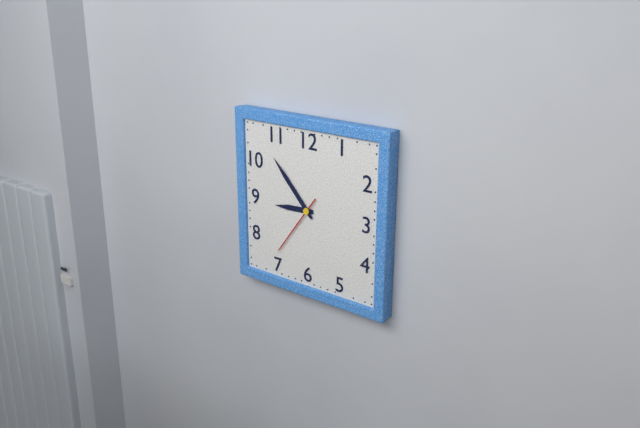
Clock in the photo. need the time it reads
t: 8:53:36
